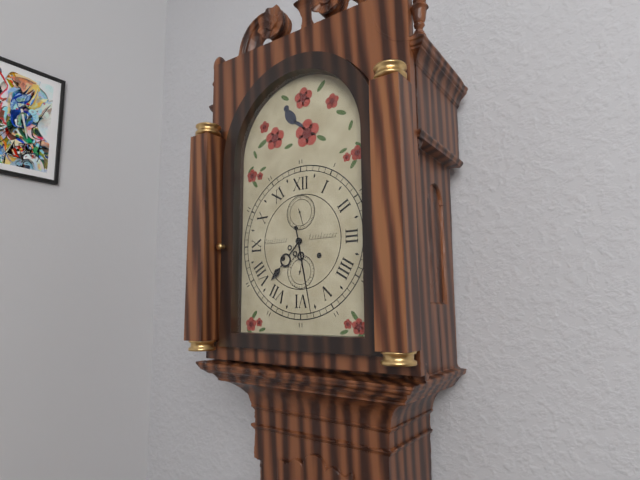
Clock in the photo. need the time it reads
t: 7:28
